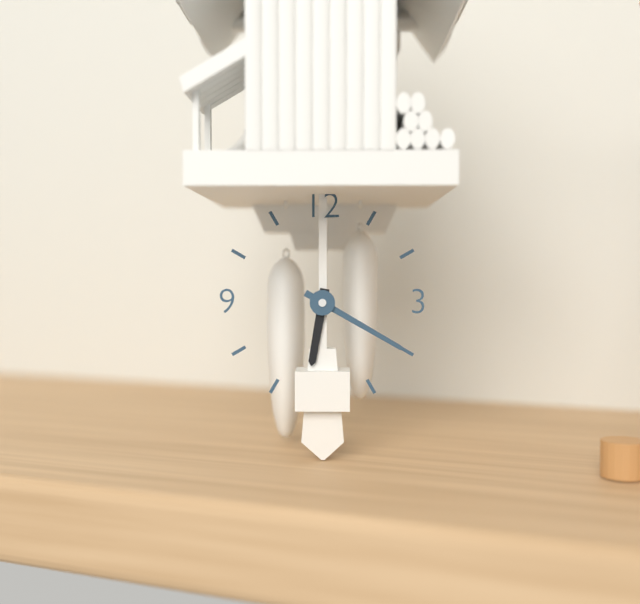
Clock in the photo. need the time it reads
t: 6:20
